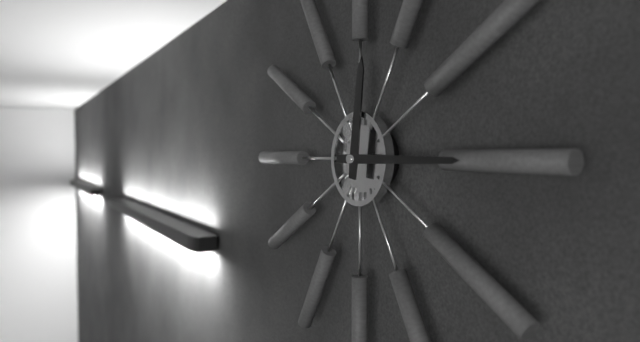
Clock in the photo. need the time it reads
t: 12:15
